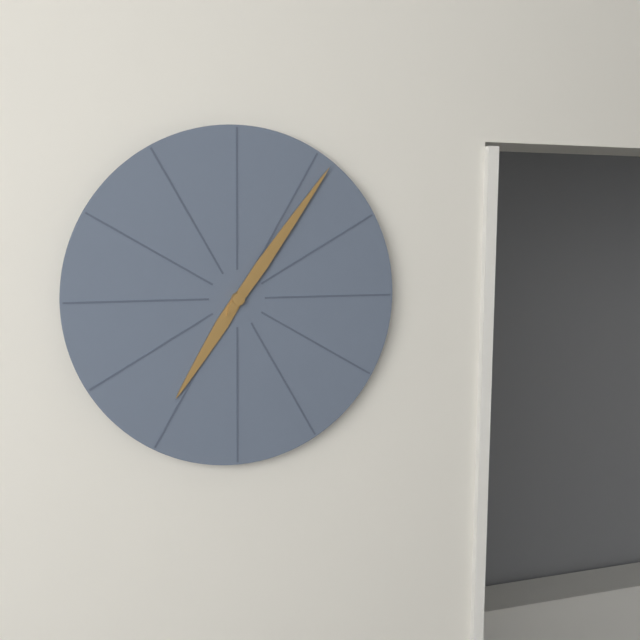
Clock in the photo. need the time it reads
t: 7:06
